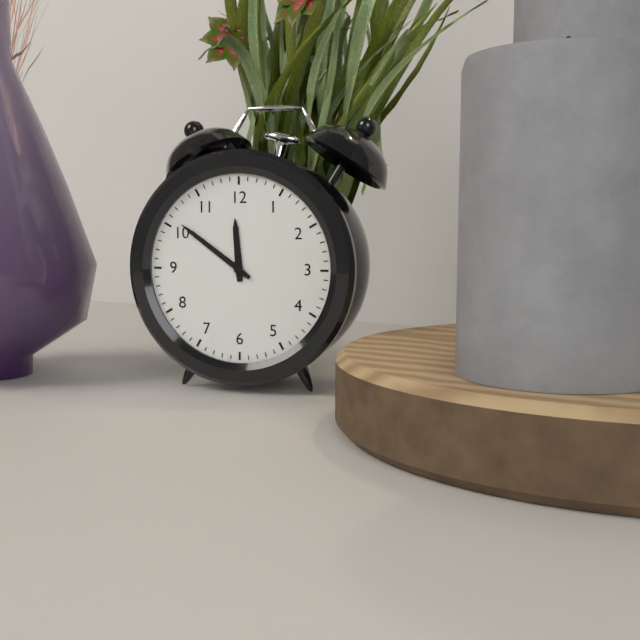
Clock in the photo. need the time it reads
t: 11:51
